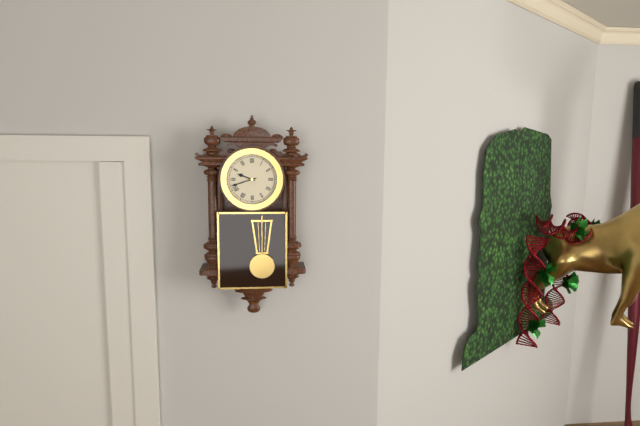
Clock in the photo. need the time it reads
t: 9:42
